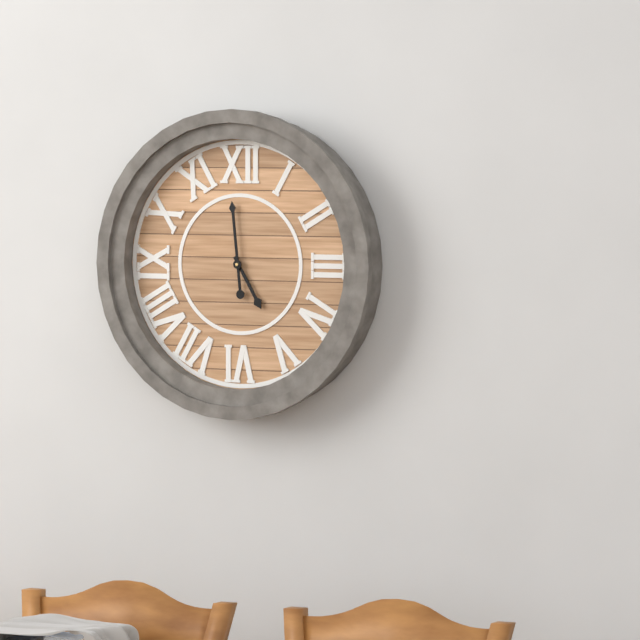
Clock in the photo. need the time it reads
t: 4:59
